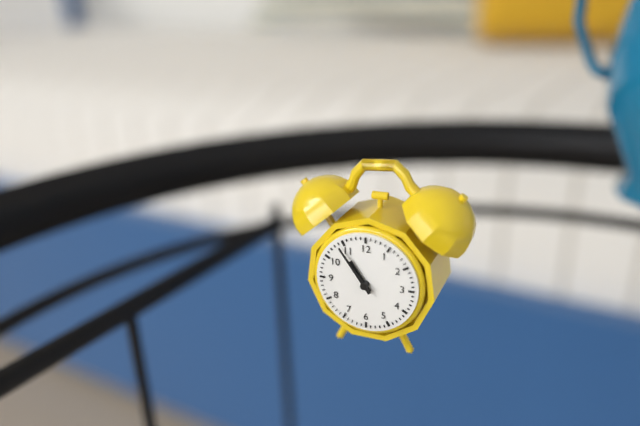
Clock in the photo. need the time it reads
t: 10:54
